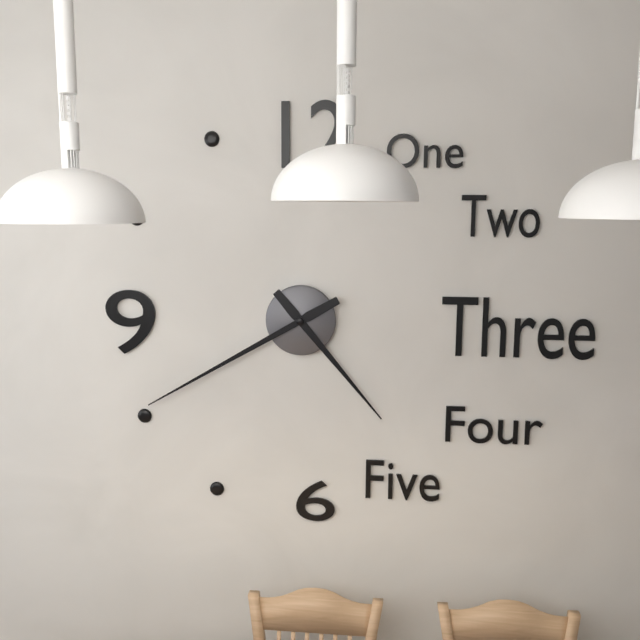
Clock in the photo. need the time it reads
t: 4:40
